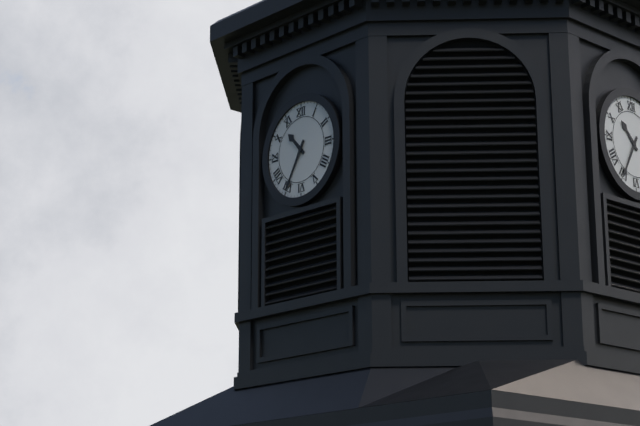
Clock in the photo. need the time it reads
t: 10:35
